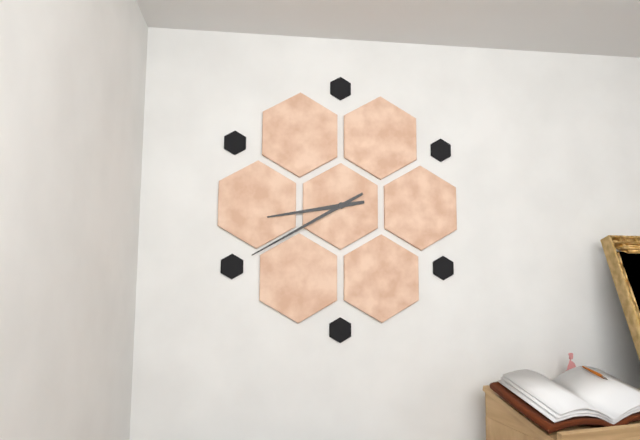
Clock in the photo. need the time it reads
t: 8:40
